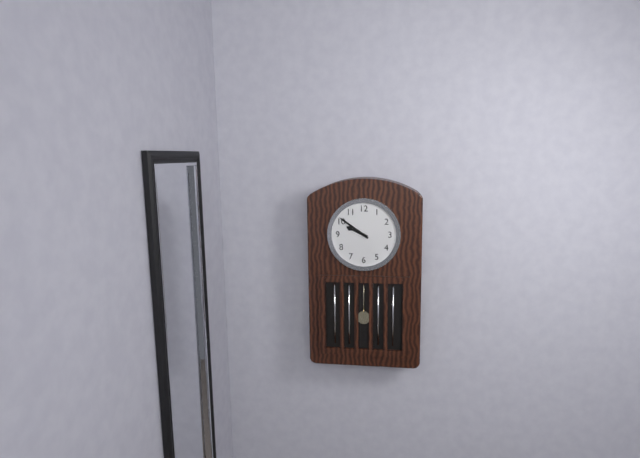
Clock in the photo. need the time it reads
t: 9:51
